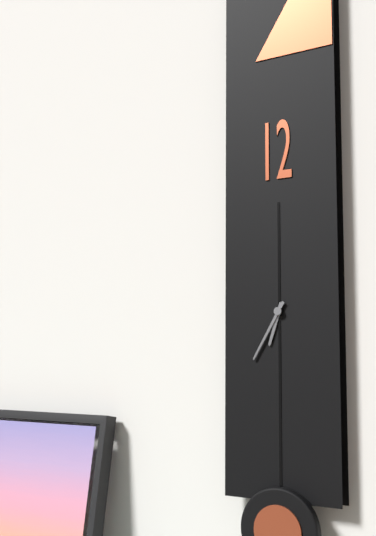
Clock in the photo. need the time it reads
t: 6:35
